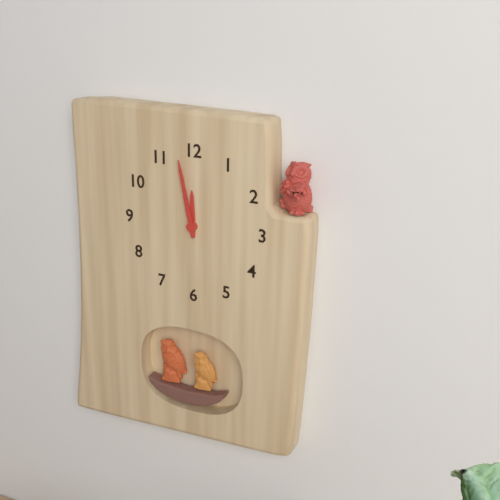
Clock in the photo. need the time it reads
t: 11:58
